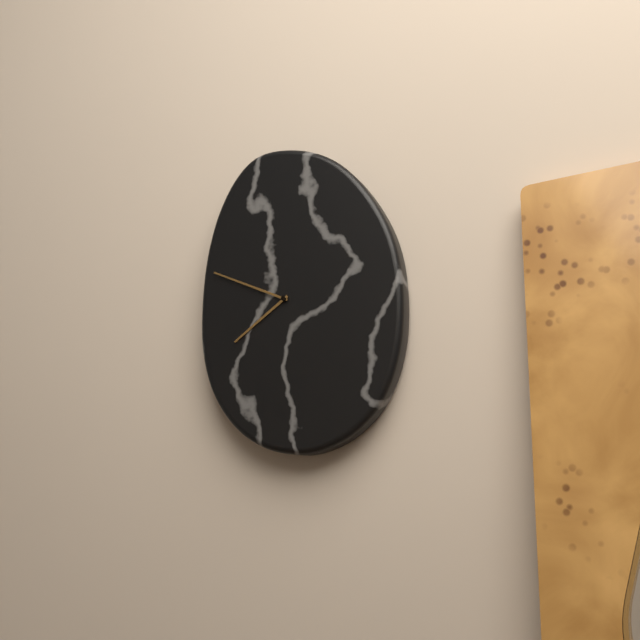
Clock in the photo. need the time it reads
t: 7:49
